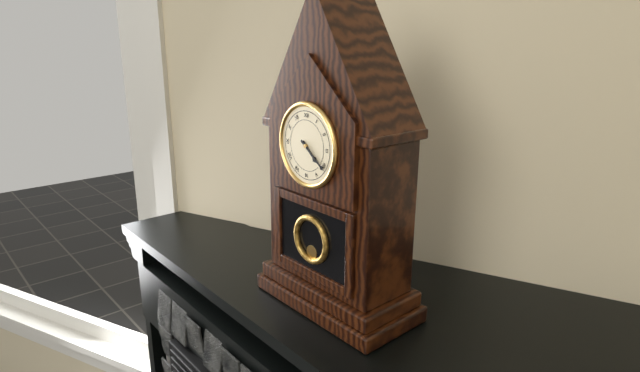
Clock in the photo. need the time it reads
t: 4:21
